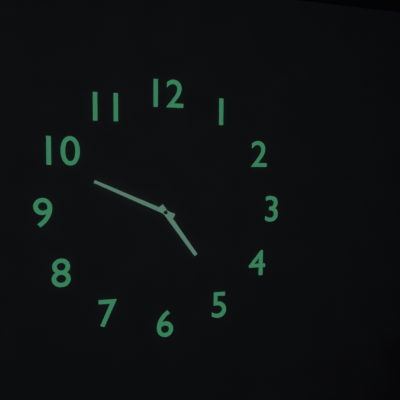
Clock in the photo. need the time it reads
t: 4:49
